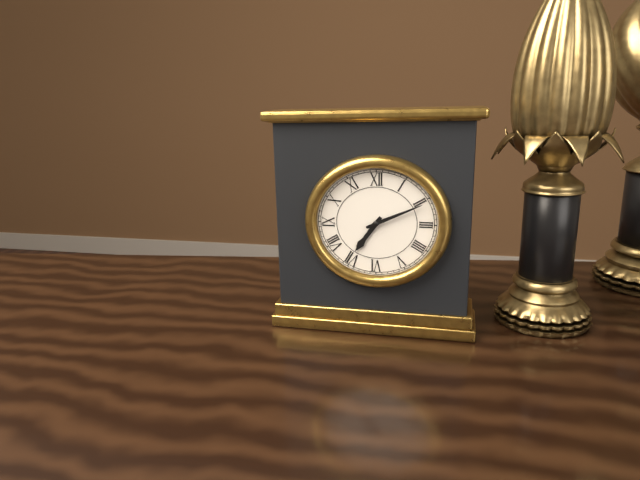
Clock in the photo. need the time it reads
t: 7:11
